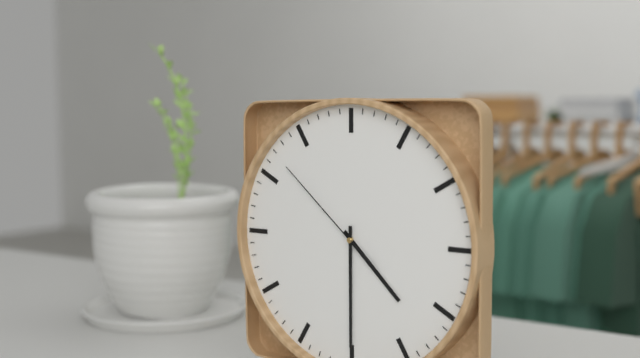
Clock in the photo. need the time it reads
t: 4:30:52
